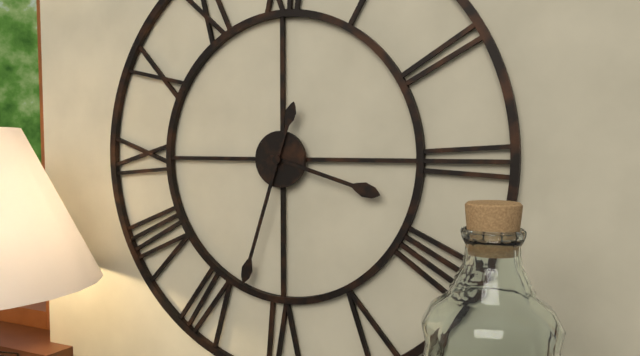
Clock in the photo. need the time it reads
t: 3:33
